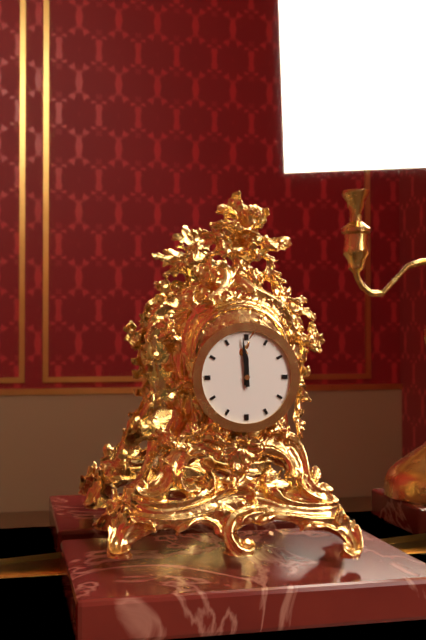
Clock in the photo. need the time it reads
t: 11:59
